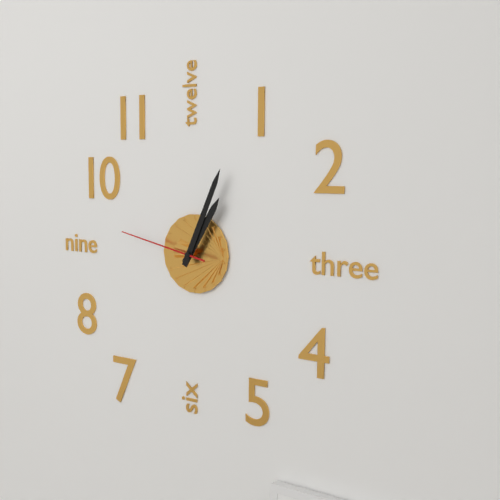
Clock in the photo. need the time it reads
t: 1:04:47
